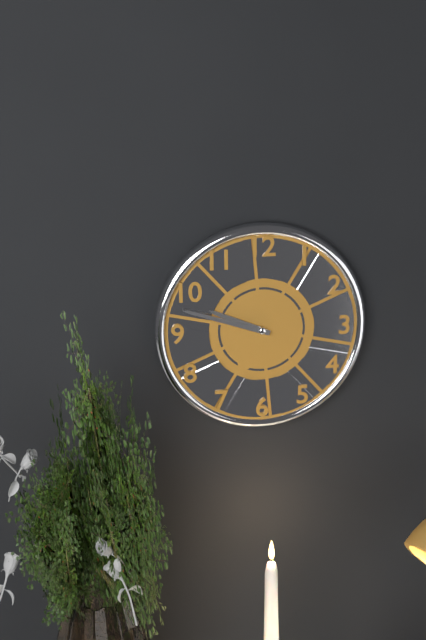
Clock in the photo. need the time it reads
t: 9:48
